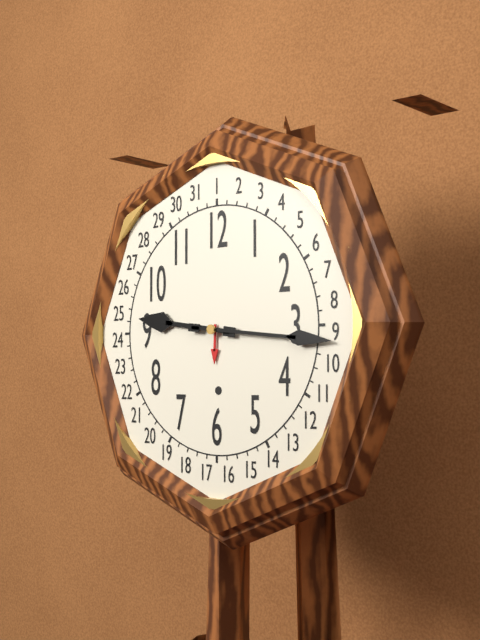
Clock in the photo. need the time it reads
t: 9:16
